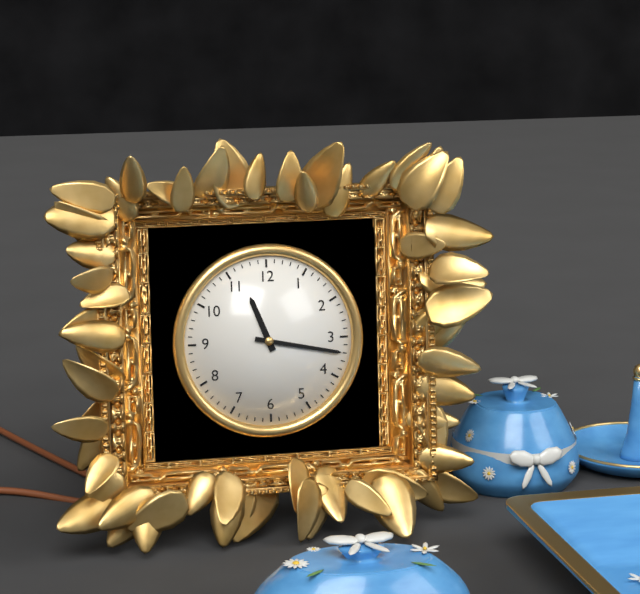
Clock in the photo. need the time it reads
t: 11:17
